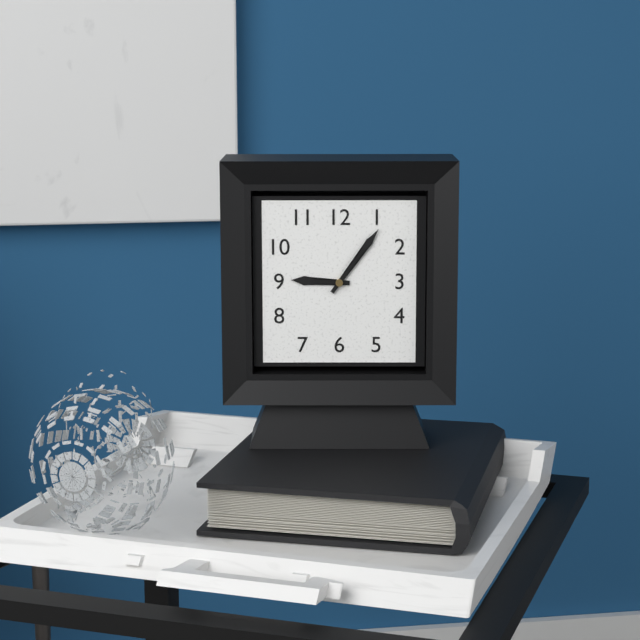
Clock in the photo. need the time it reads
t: 9:06
